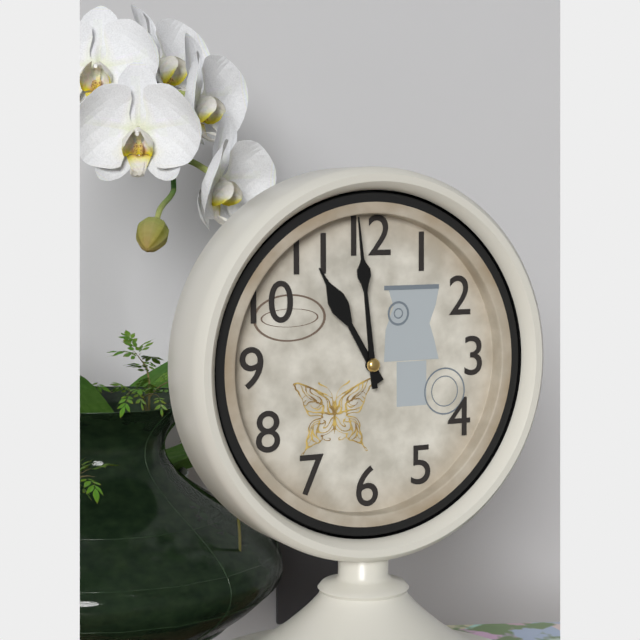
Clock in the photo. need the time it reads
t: 10:59
